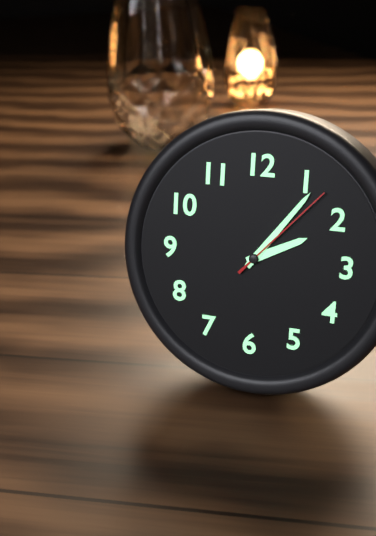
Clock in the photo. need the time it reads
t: 2:06:07
